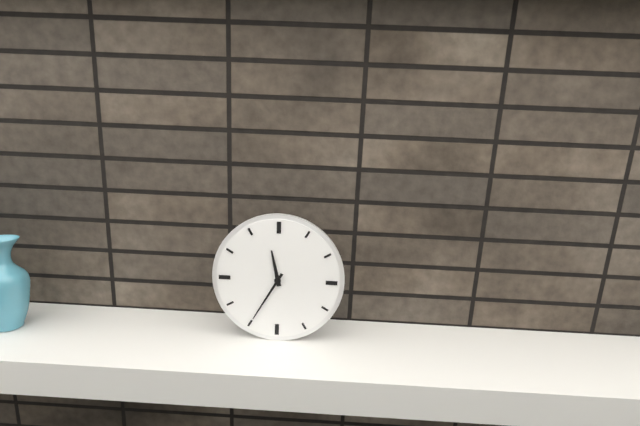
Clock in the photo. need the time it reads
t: 11:35
